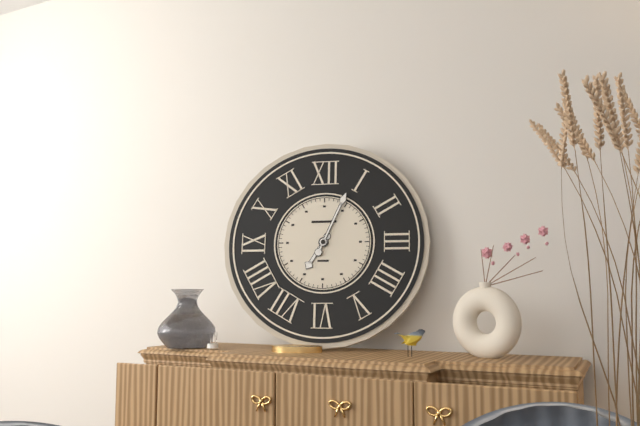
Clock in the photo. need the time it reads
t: 7:04
